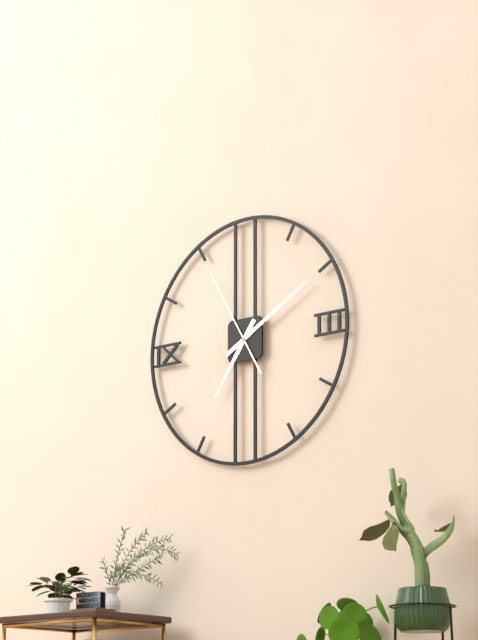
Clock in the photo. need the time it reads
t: 7:10:55
